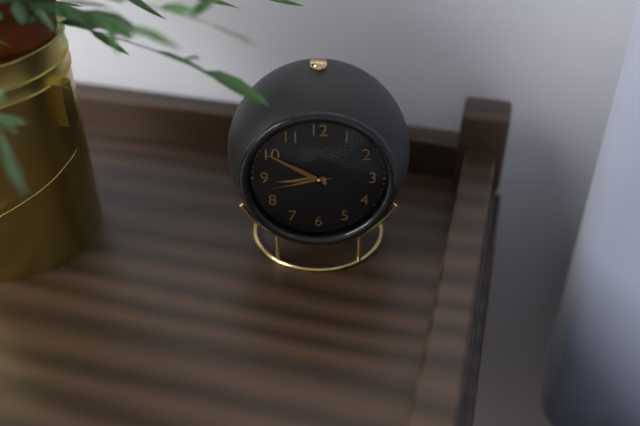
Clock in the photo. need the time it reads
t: 8:50:43
